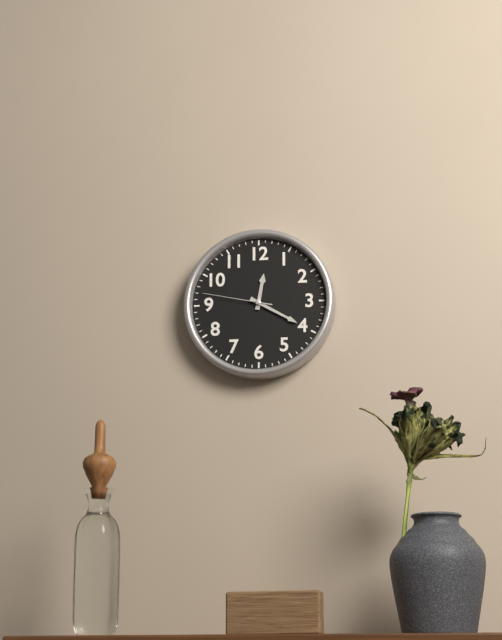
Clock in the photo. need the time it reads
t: 12:20:47
